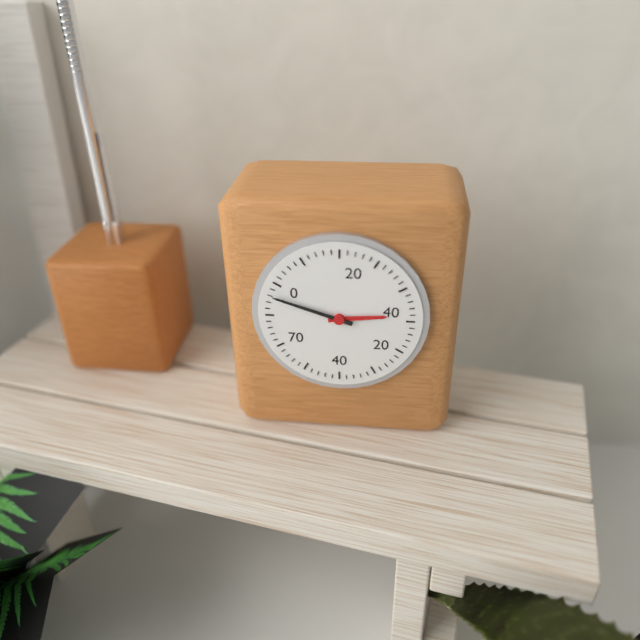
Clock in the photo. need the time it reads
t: 2:48
